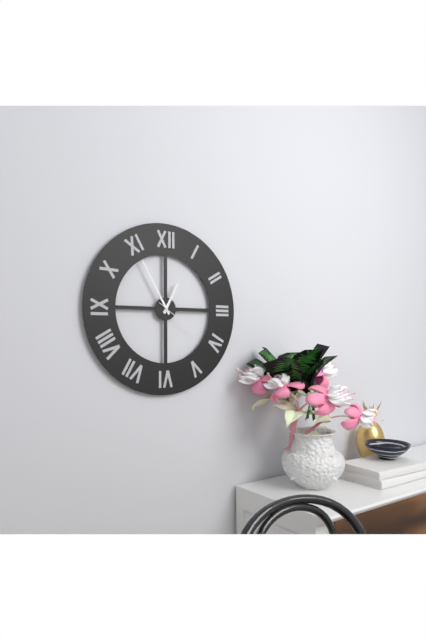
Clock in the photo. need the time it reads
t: 12:55
